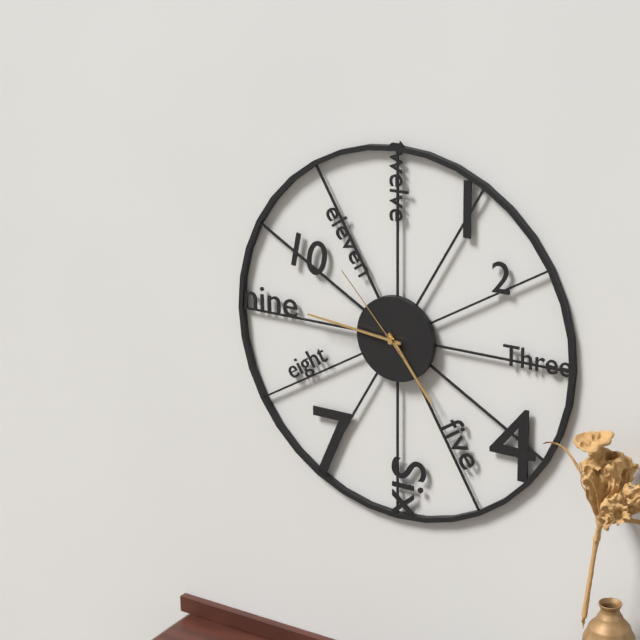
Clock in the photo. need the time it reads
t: 4:46:53
